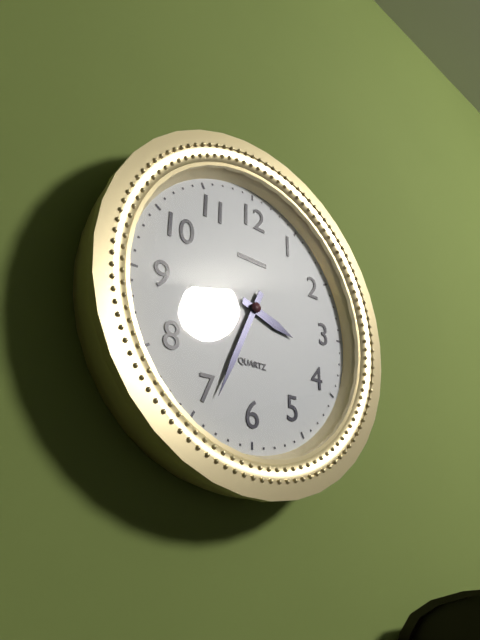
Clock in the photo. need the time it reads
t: 3:34
